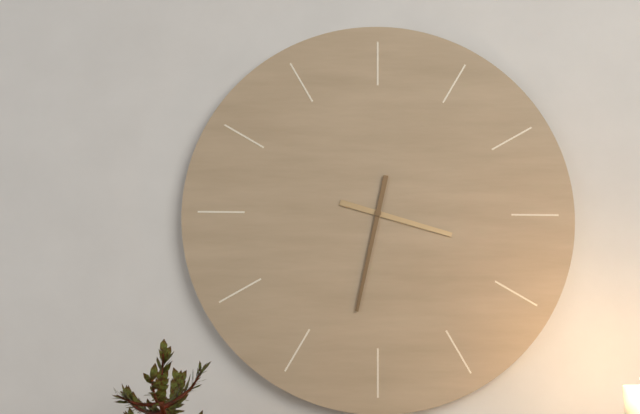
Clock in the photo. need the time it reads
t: 3:32
